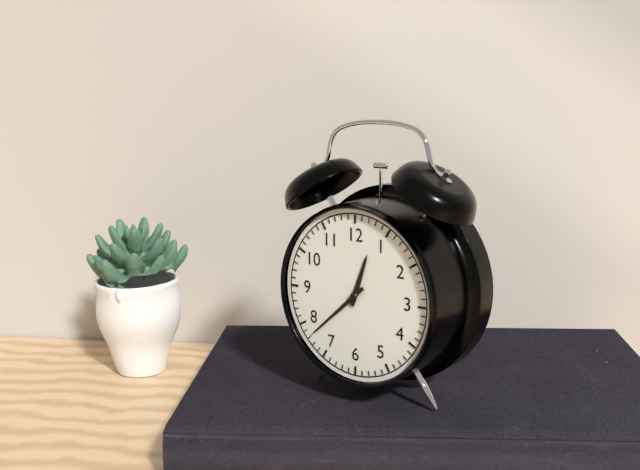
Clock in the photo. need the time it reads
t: 12:38
